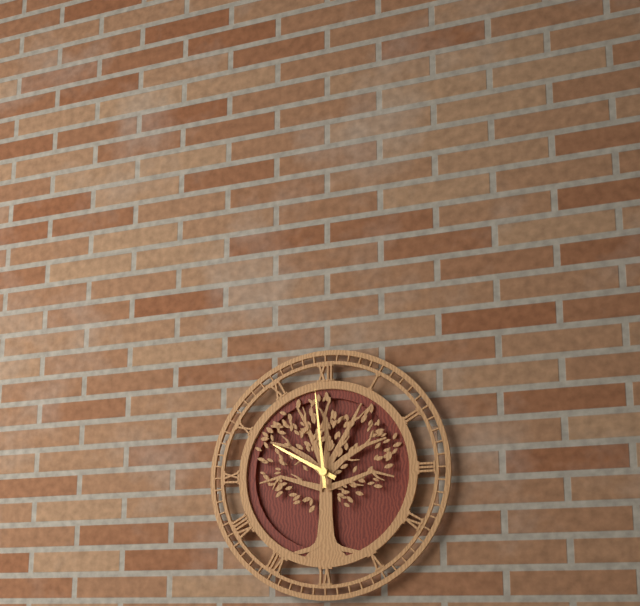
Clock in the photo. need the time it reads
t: 9:59
